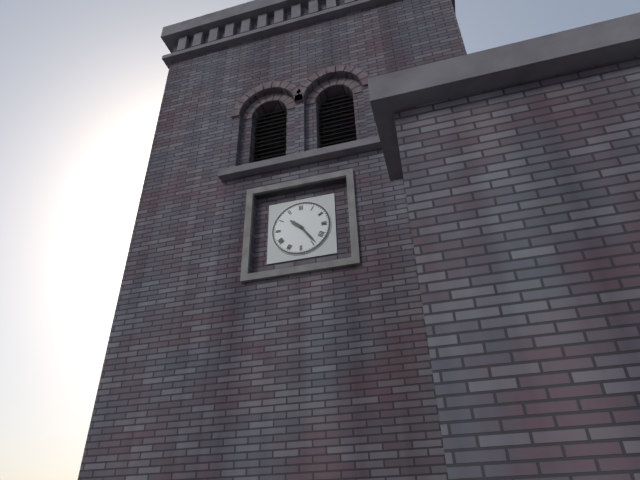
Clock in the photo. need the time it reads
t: 10:24
